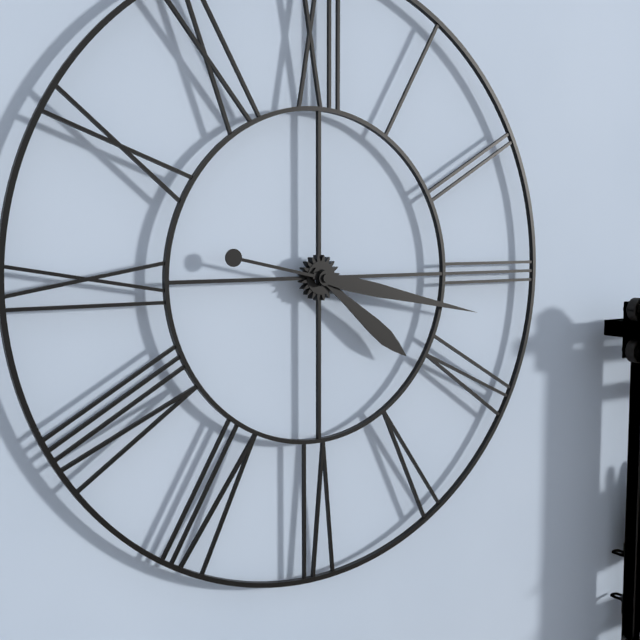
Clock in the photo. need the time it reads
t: 4:17
